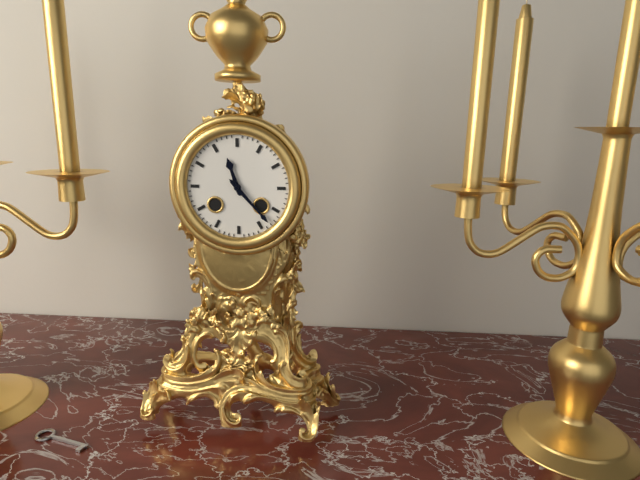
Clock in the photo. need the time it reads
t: 11:23
